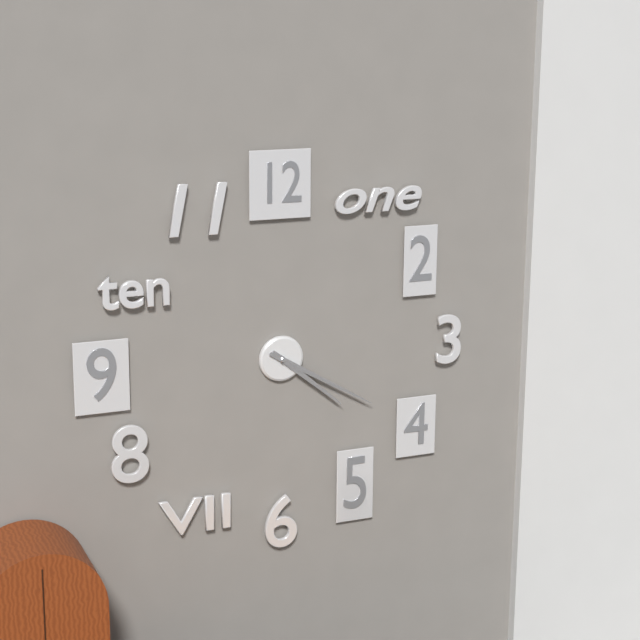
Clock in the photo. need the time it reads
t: 4:20
